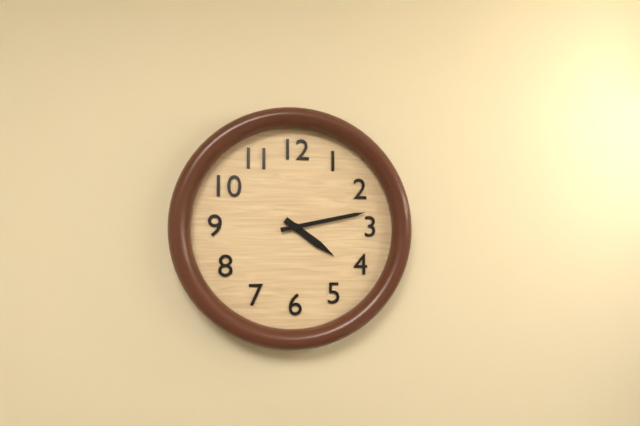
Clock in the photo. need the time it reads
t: 4:13
